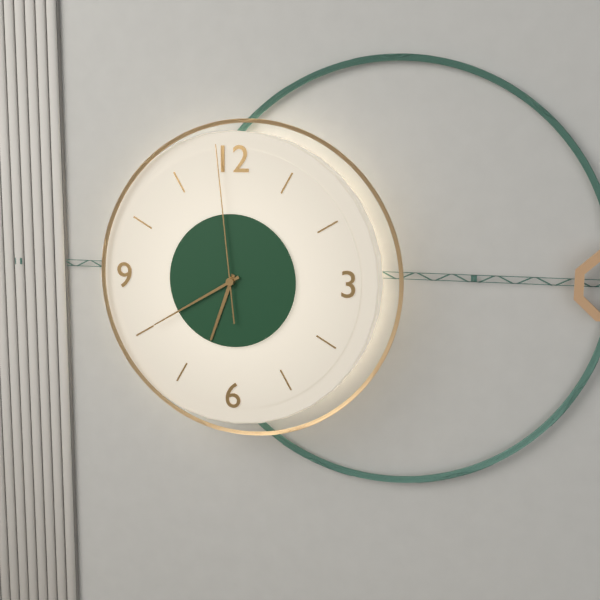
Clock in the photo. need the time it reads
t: 6:40:59
